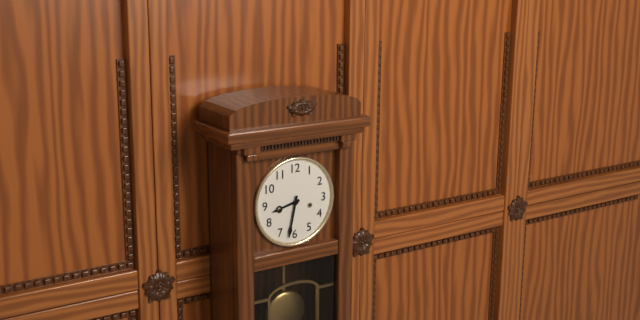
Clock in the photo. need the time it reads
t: 8:32
